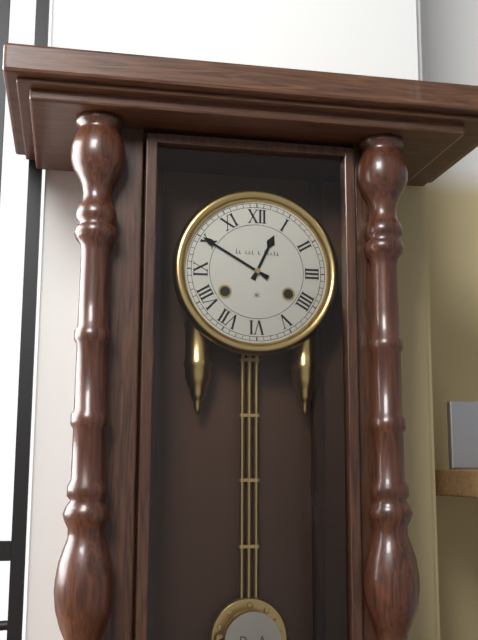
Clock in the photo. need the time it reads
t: 12:50
